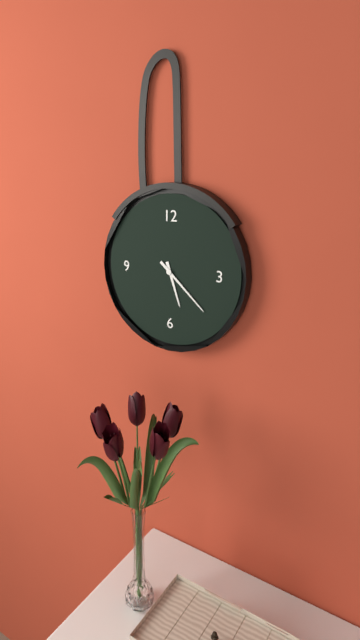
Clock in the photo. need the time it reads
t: 5:22
